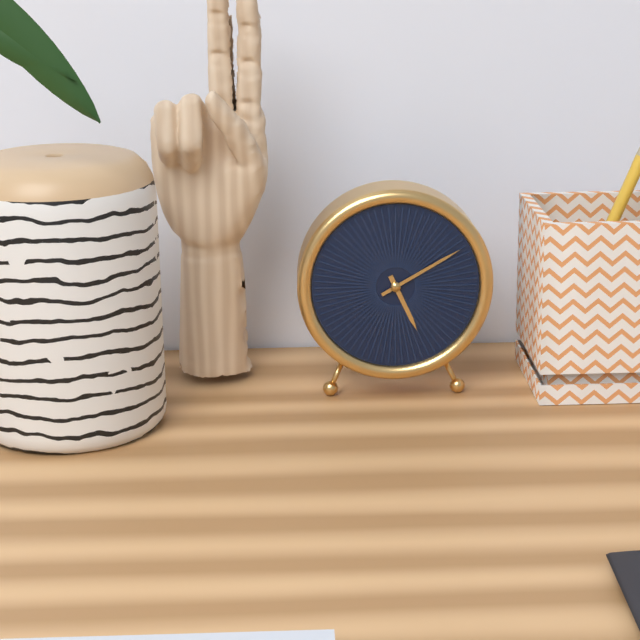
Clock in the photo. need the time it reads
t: 5:10
